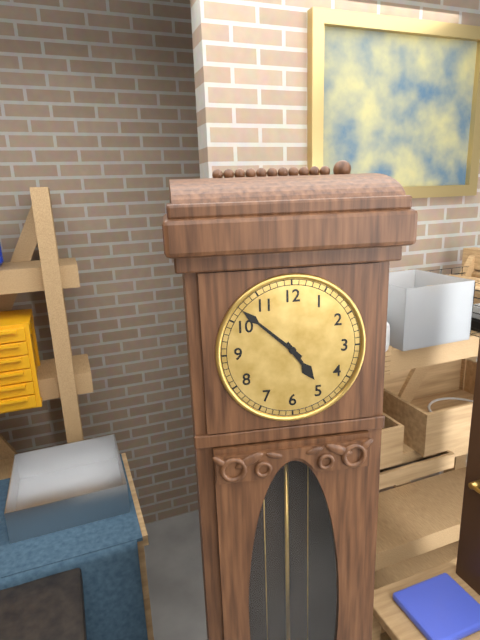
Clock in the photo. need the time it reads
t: 4:52
